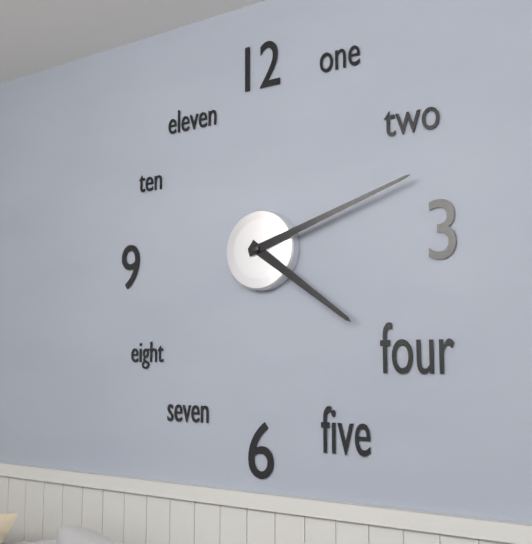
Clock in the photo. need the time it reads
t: 4:12
